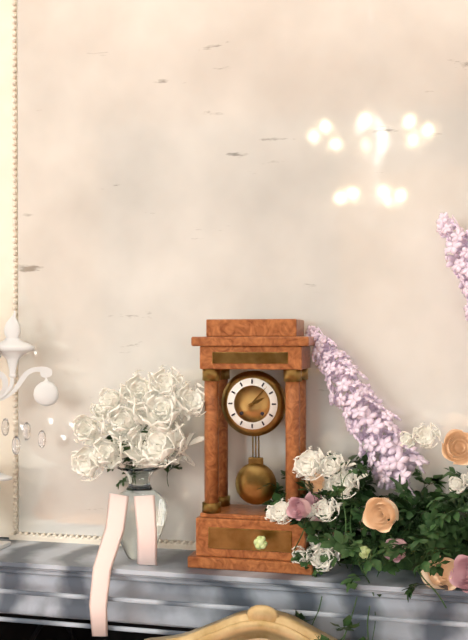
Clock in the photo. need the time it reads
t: 2:07
